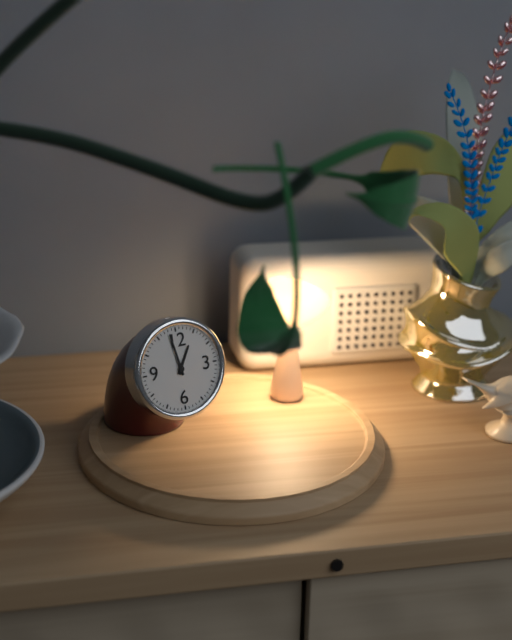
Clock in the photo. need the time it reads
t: 12:58
